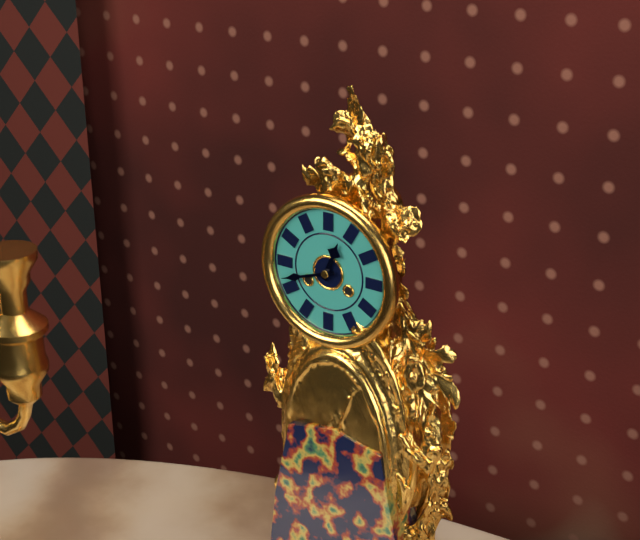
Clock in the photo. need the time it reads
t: 12:42
